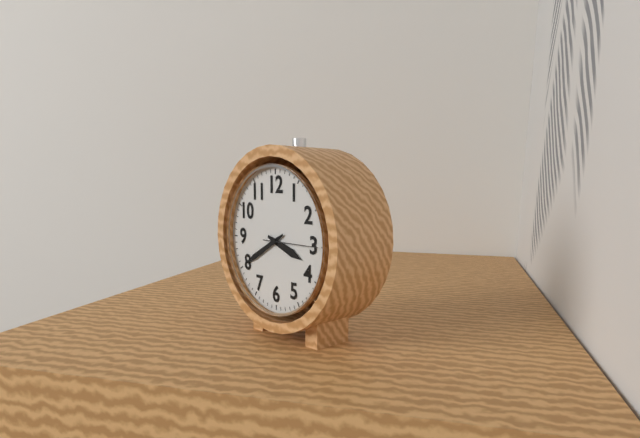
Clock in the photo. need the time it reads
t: 3:40:15
